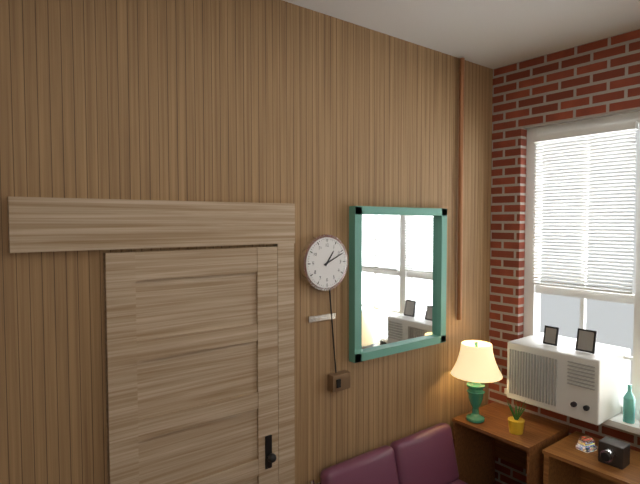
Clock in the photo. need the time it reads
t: 1:11
